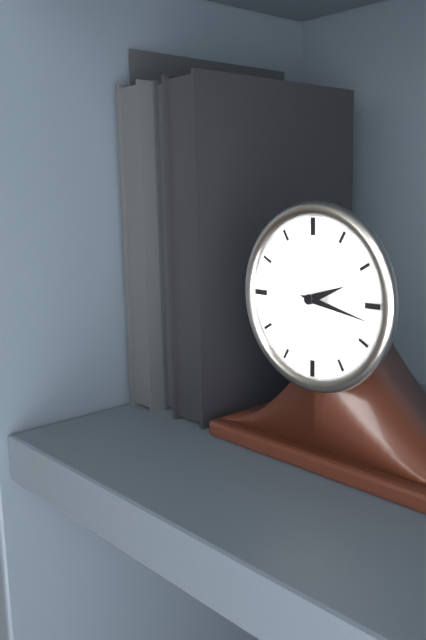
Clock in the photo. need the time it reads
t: 2:17
